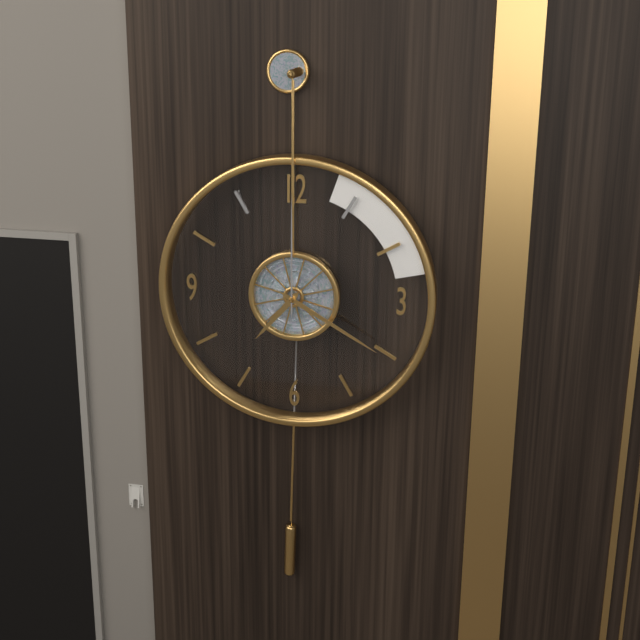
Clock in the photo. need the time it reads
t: 7:20:00
